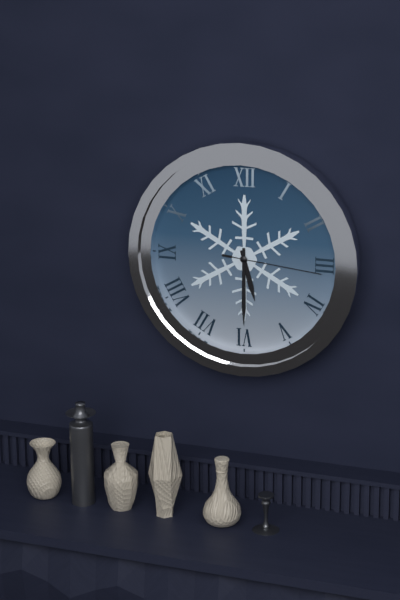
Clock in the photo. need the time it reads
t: 5:30:16
